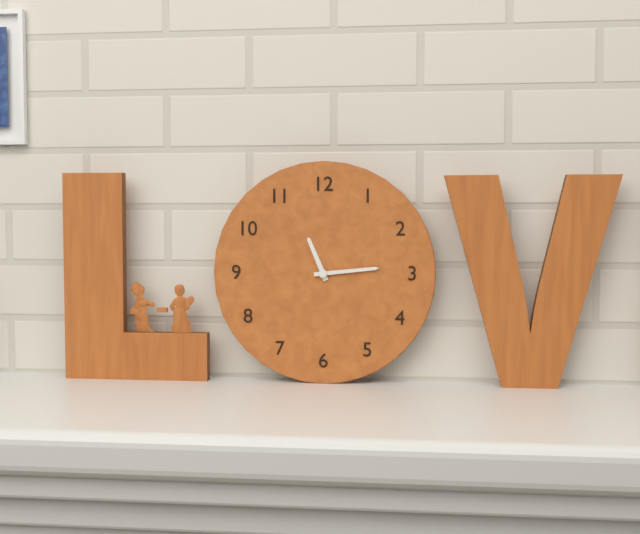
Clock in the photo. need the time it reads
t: 11:14
